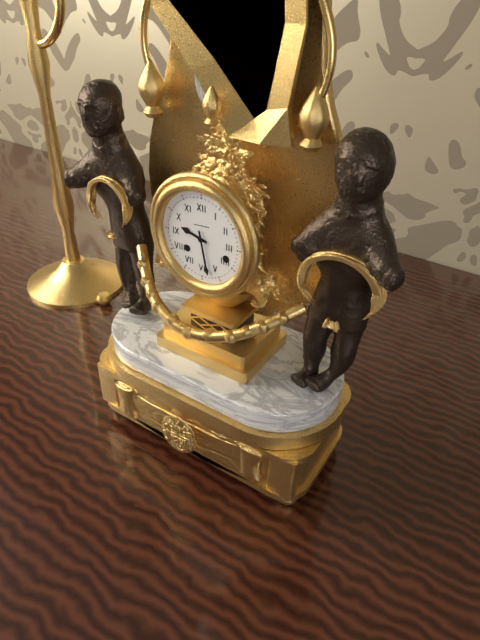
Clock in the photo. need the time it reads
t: 9:28
